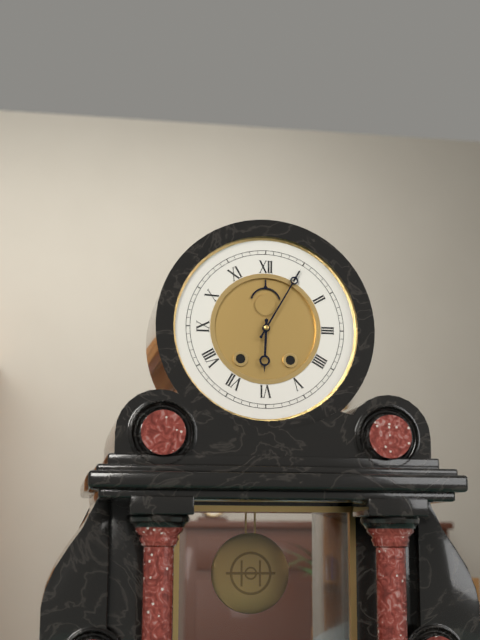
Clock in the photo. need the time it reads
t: 6:05
